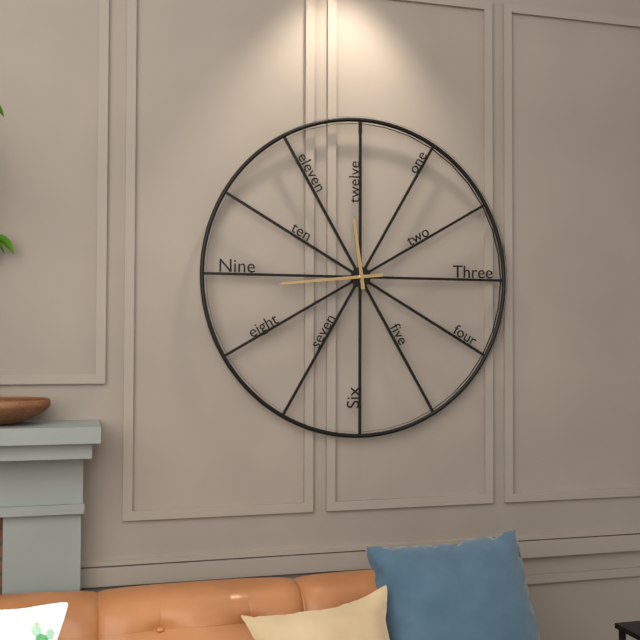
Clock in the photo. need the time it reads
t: 11:44
